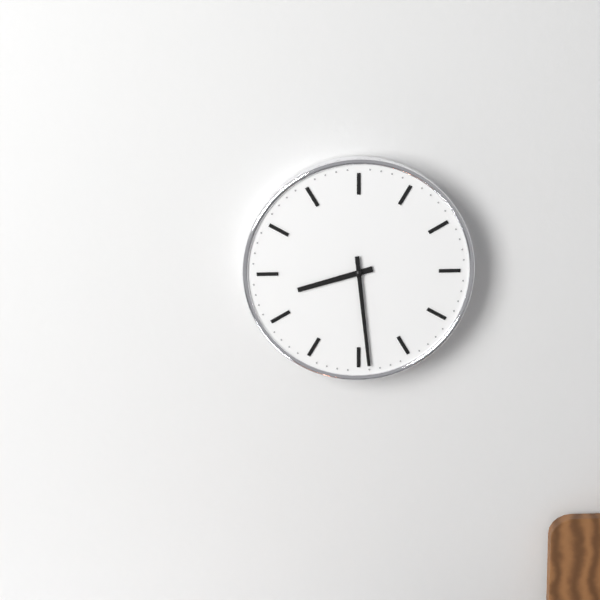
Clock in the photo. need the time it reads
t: 8:29
